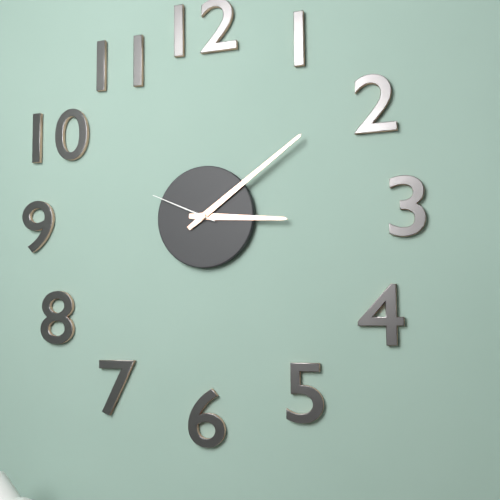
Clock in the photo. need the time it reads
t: 3:09:49
